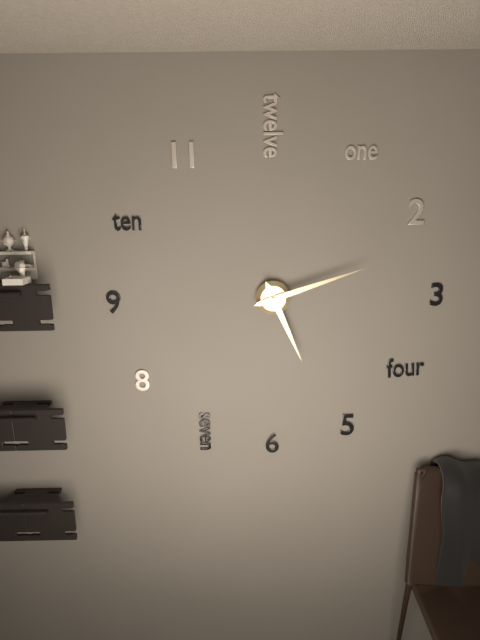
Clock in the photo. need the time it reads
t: 5:12
